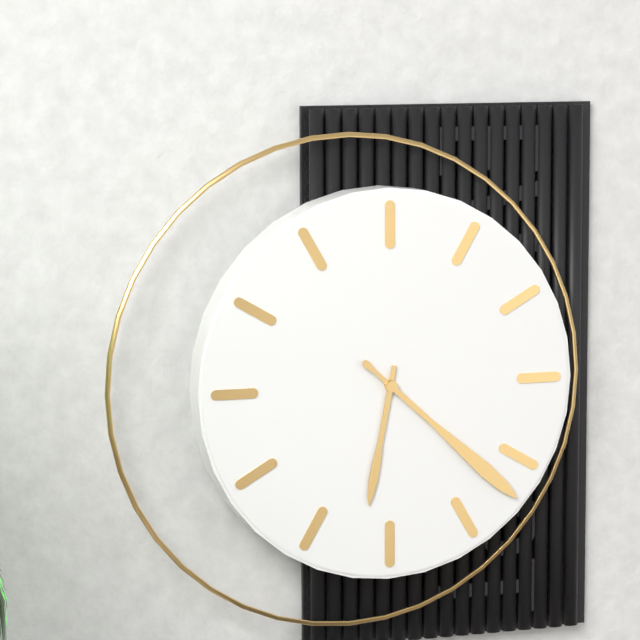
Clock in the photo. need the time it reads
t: 6:22
